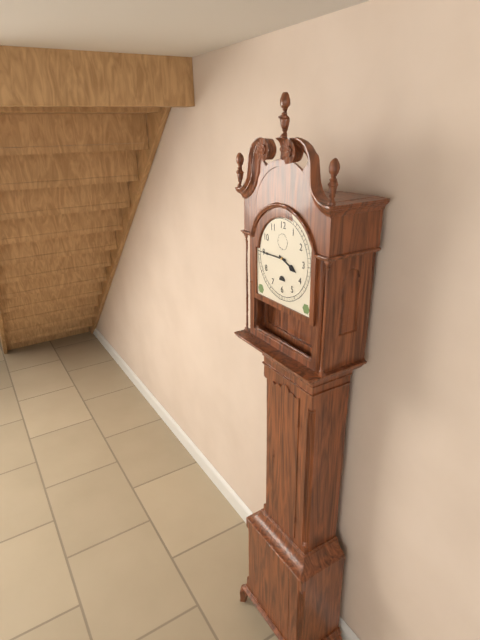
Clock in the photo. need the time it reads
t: 3:45
